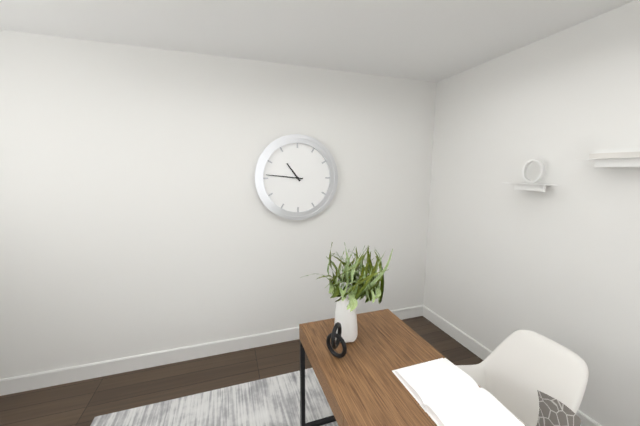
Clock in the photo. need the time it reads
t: 10:46
